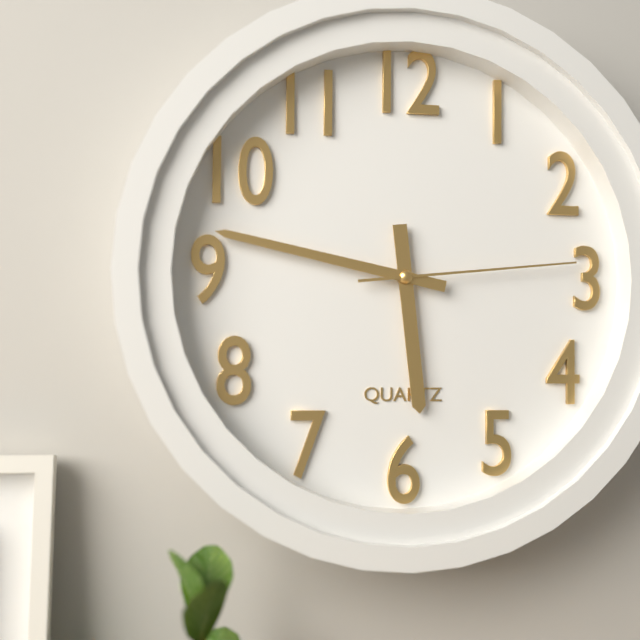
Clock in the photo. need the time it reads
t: 5:47:14
